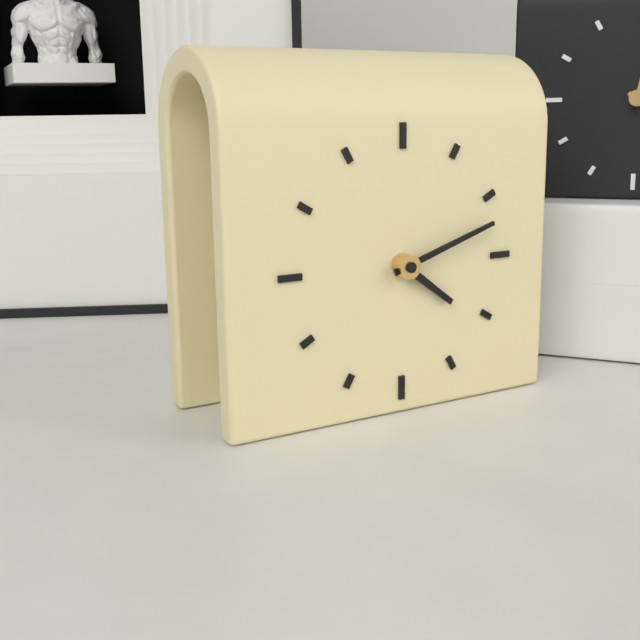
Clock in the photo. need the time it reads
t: 4:12
